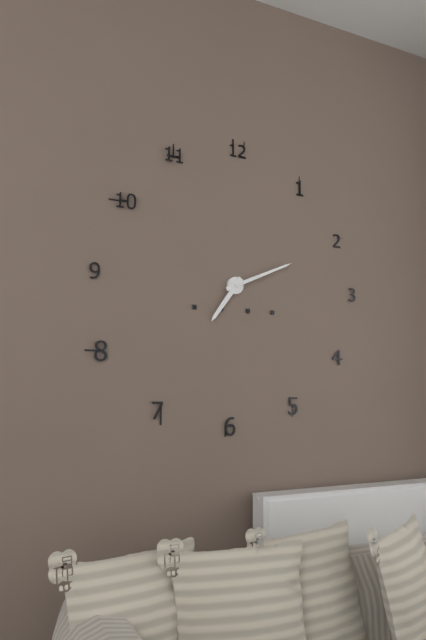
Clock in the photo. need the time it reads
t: 7:11
